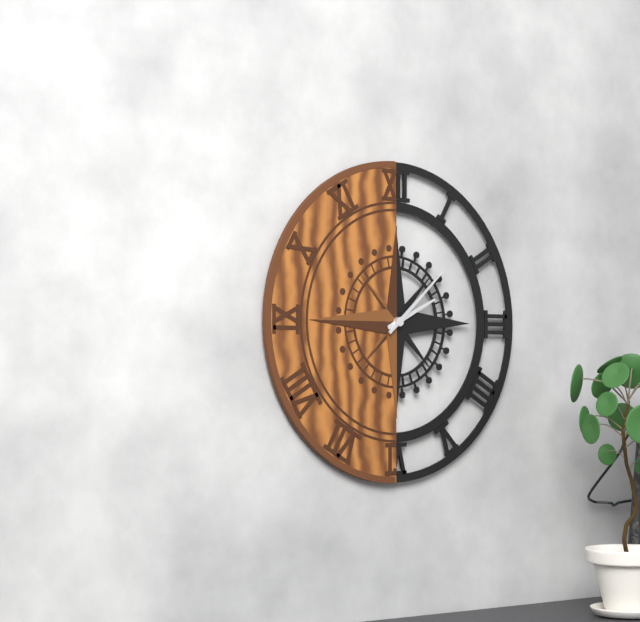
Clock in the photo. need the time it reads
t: 2:08
